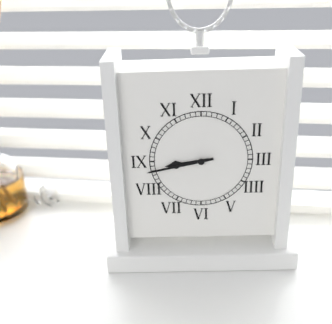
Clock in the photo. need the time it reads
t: 8:43
